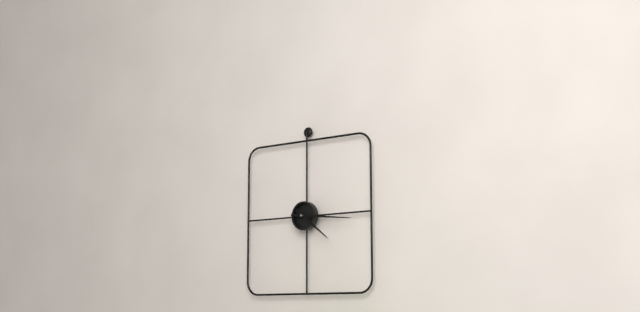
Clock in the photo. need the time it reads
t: 4:16
